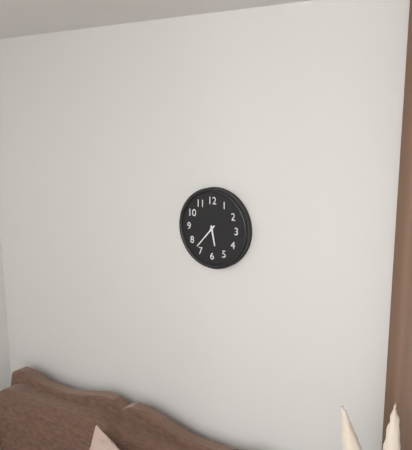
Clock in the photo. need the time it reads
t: 5:37
